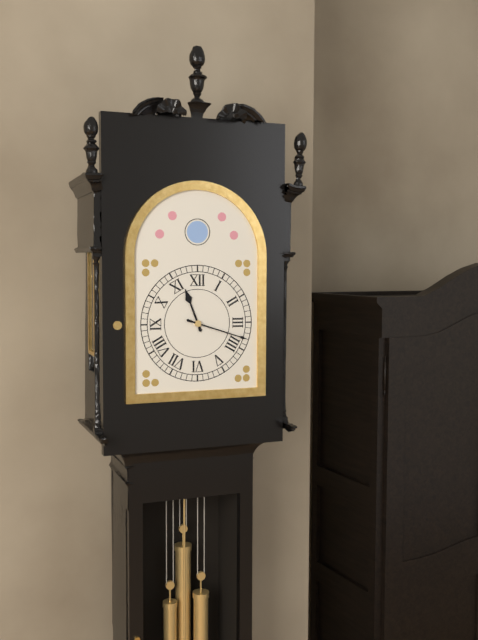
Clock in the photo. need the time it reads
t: 11:18
